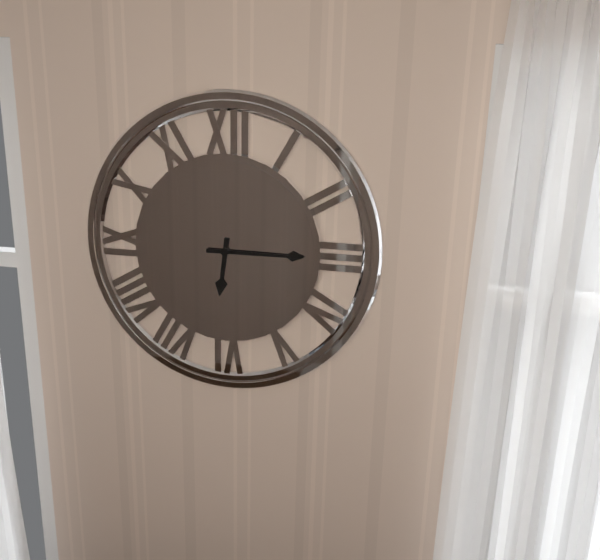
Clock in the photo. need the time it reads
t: 6:15
